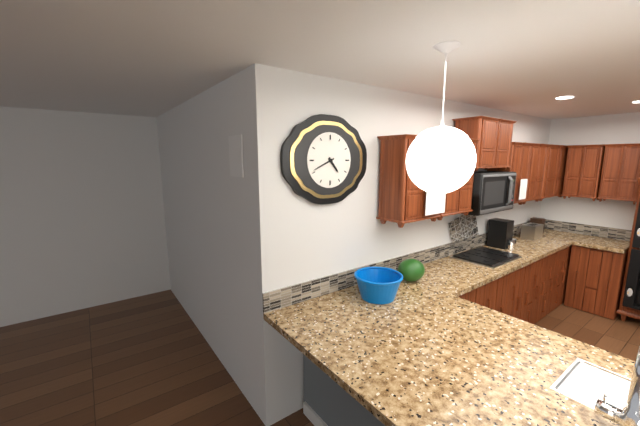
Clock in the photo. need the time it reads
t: 4:41
